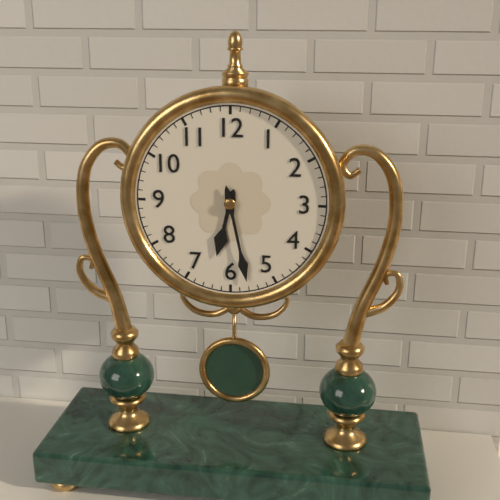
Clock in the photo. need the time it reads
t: 6:28
